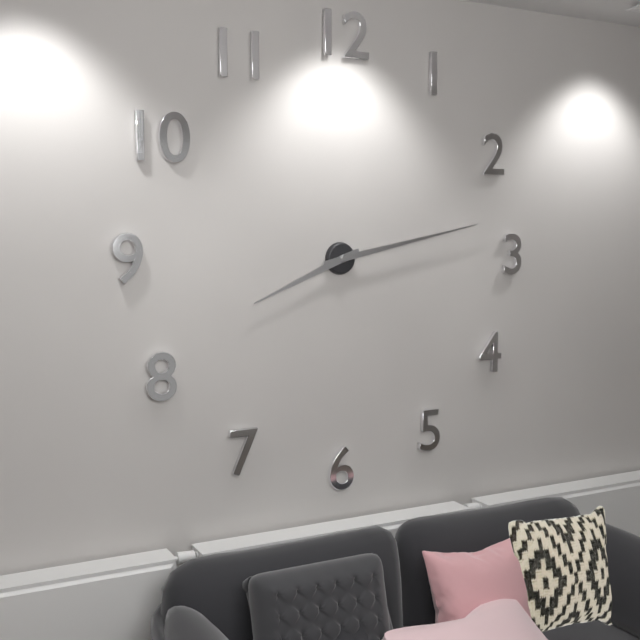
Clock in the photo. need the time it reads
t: 8:13
